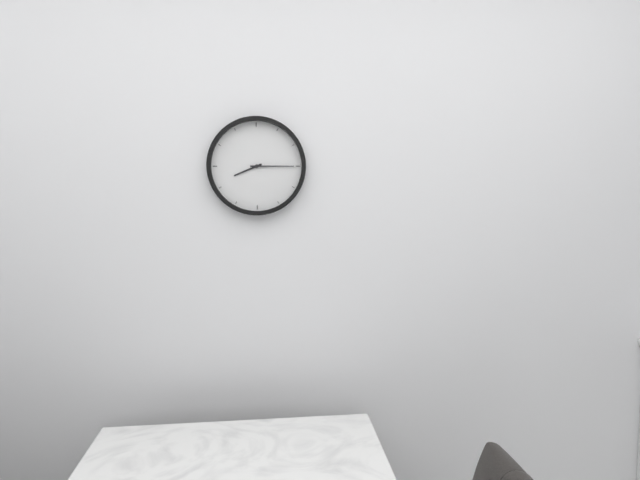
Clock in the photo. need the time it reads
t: 8:15
